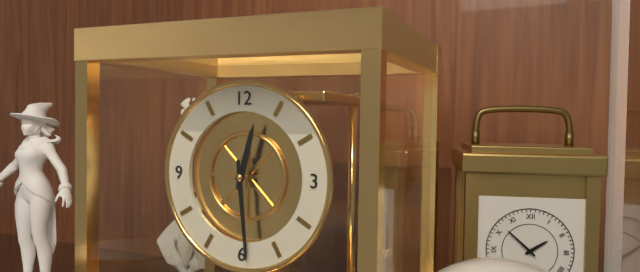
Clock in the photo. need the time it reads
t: 12:29
